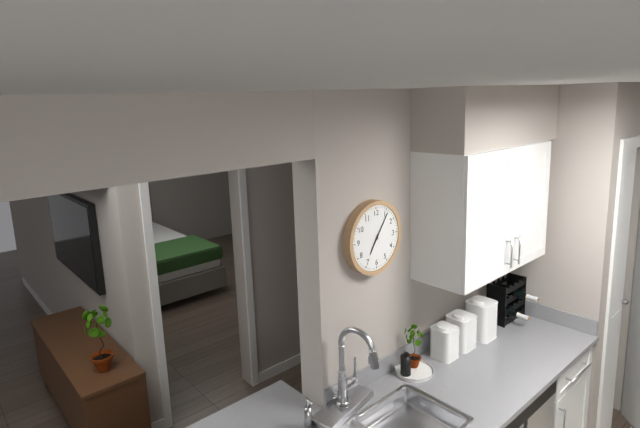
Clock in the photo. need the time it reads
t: 7:06
